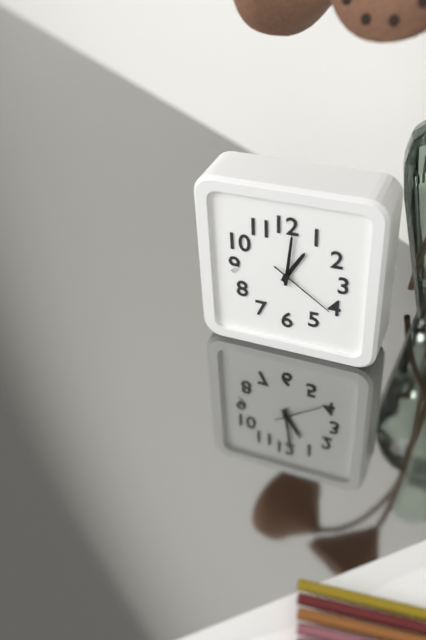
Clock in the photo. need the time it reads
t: 1:01:21
